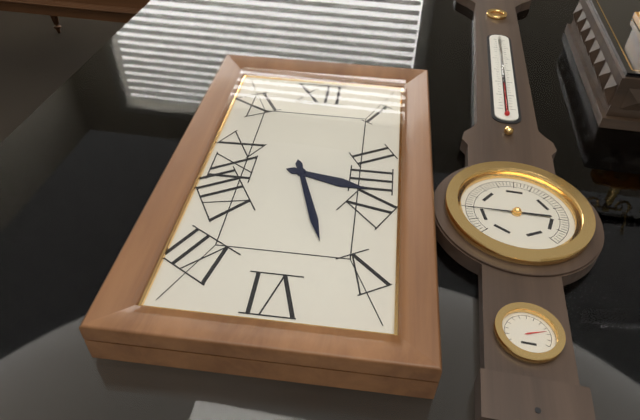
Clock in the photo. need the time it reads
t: 3:27
